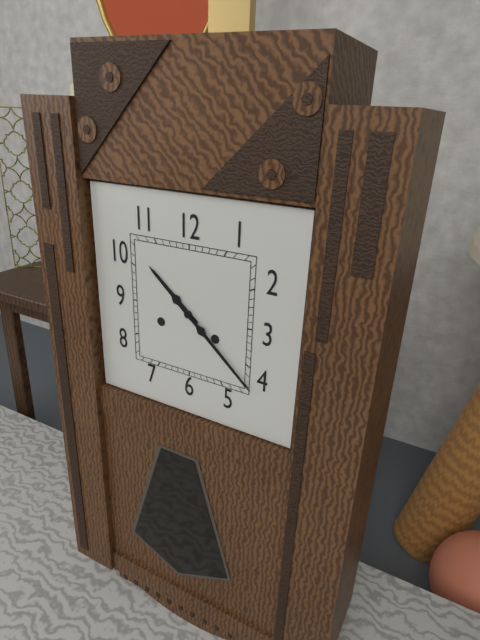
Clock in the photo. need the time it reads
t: 10:22
